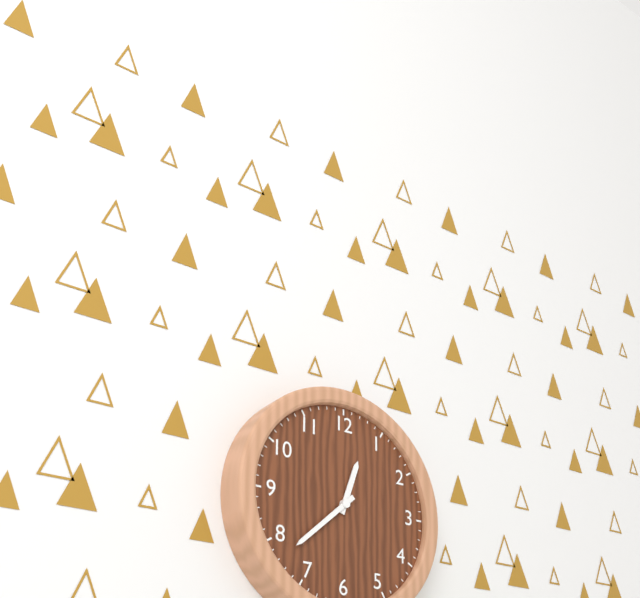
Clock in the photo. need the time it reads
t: 12:38
